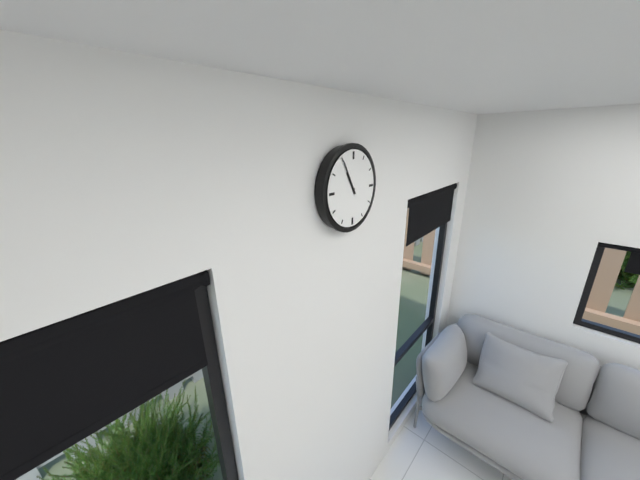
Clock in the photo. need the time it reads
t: 10:55
